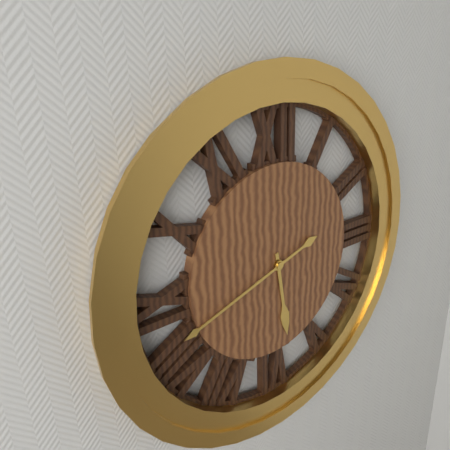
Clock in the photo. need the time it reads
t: 5:42
